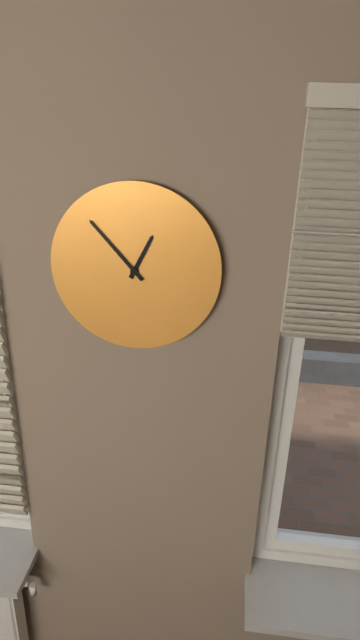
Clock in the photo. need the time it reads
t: 12:53
